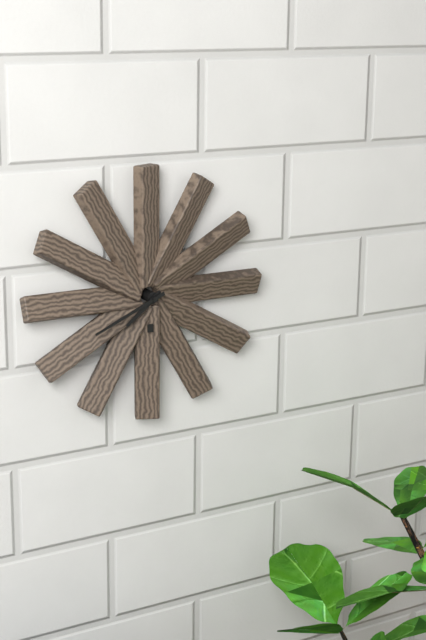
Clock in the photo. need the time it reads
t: 7:41
